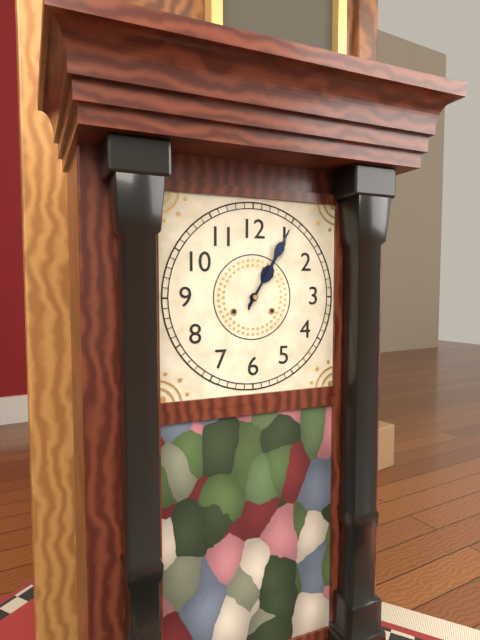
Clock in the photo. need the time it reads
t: 1:05
